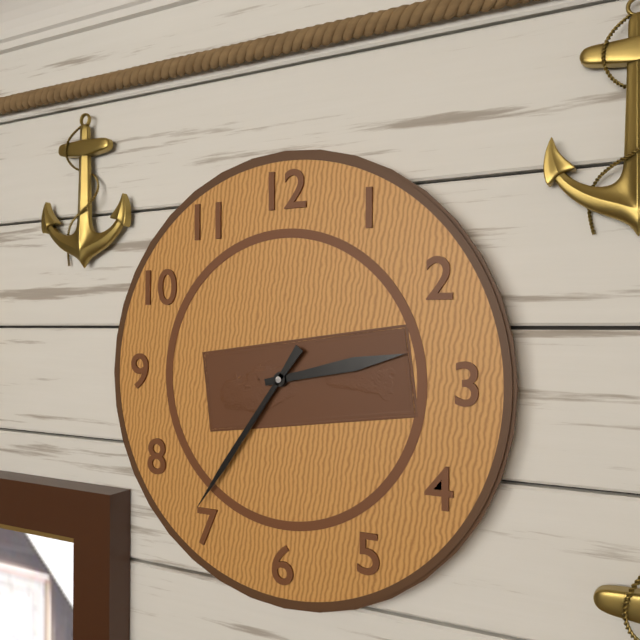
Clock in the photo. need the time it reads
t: 2:36
